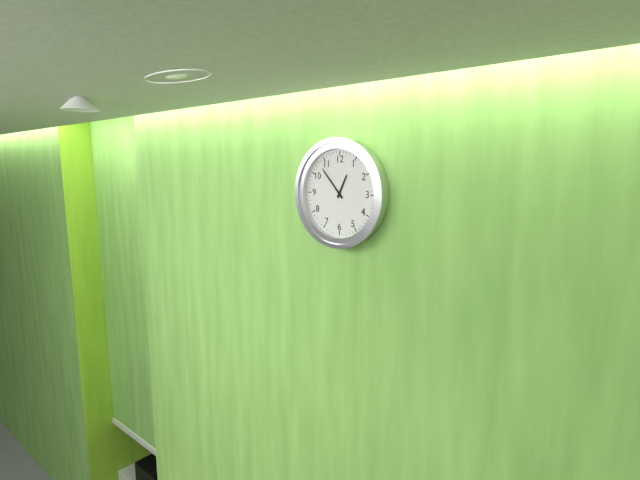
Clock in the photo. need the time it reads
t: 12:53
